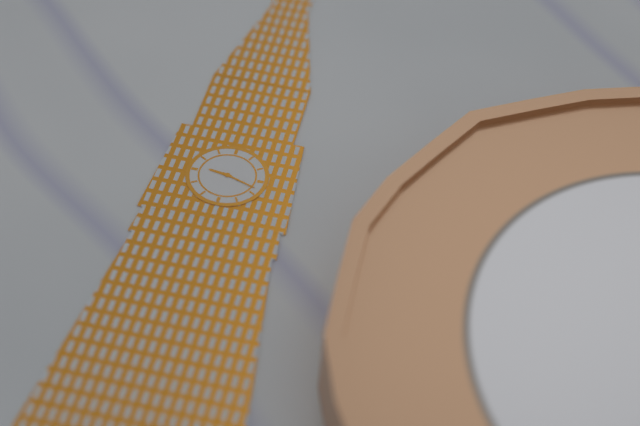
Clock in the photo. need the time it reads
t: 9:18
